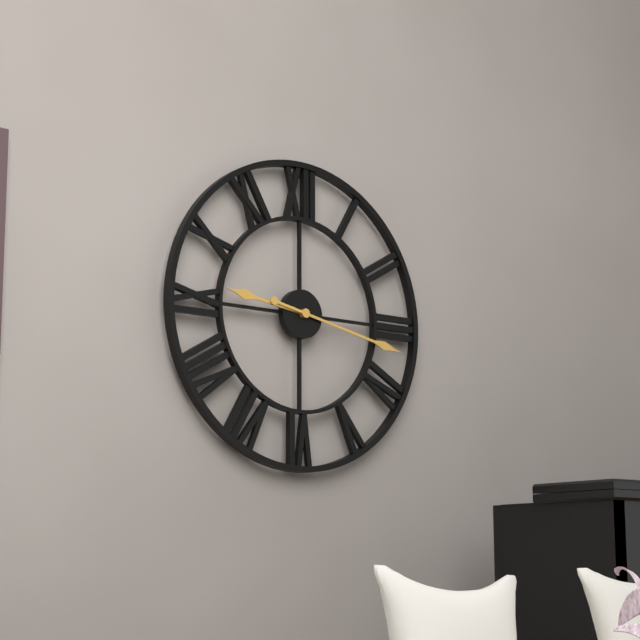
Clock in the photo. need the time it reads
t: 9:17
